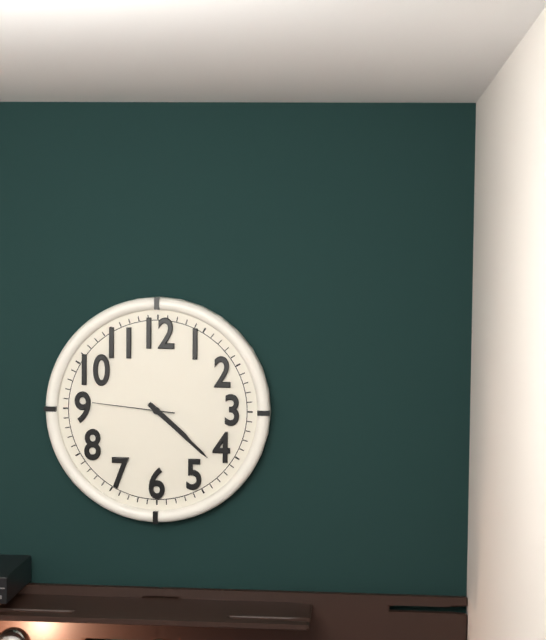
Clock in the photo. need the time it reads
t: 4:22:46
